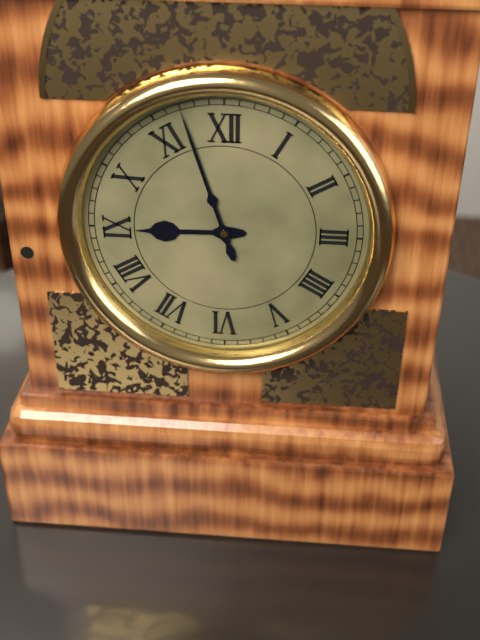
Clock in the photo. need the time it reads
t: 8:57
